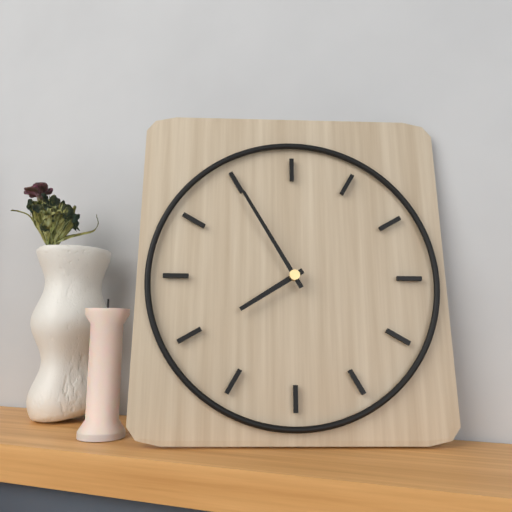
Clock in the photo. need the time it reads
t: 7:55
